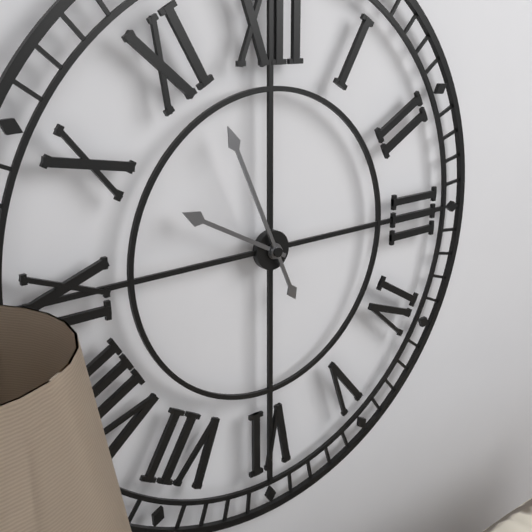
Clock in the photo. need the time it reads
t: 9:56
